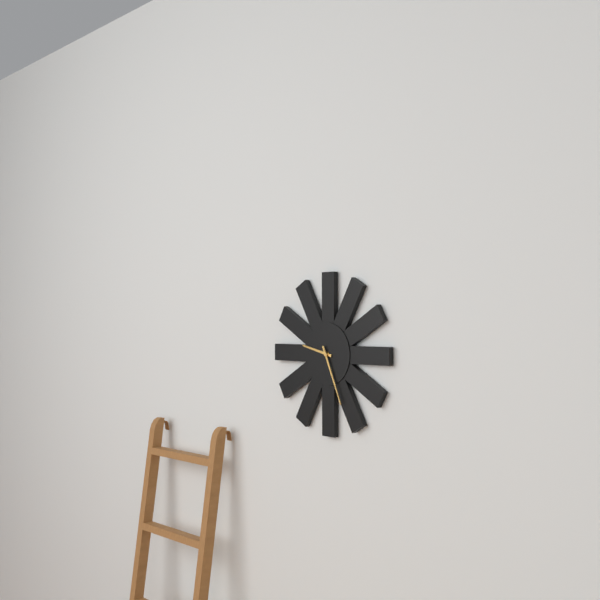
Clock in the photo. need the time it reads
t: 9:26
